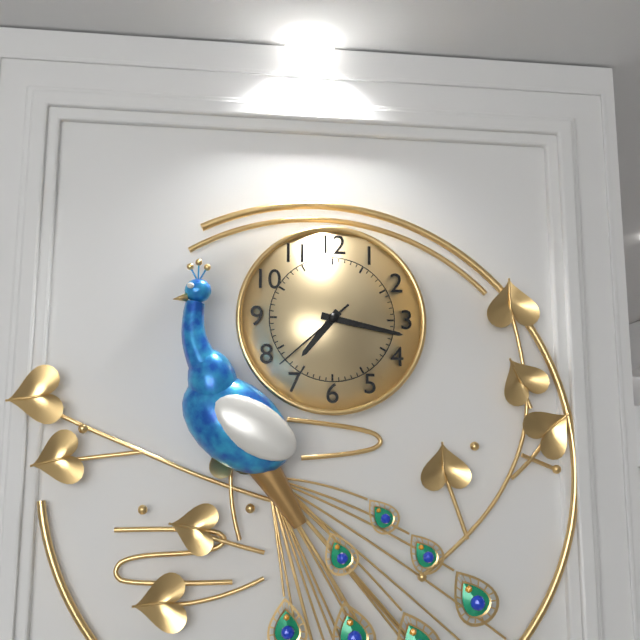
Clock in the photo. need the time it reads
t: 7:17:38
